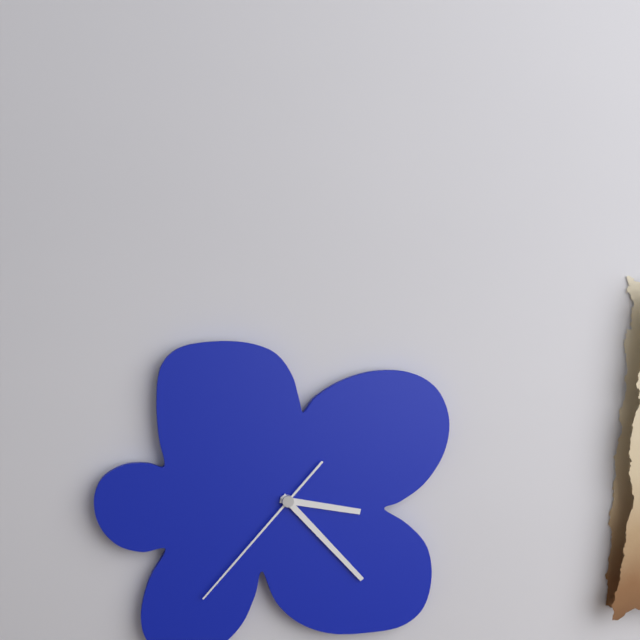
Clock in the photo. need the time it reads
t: 3:23:37
